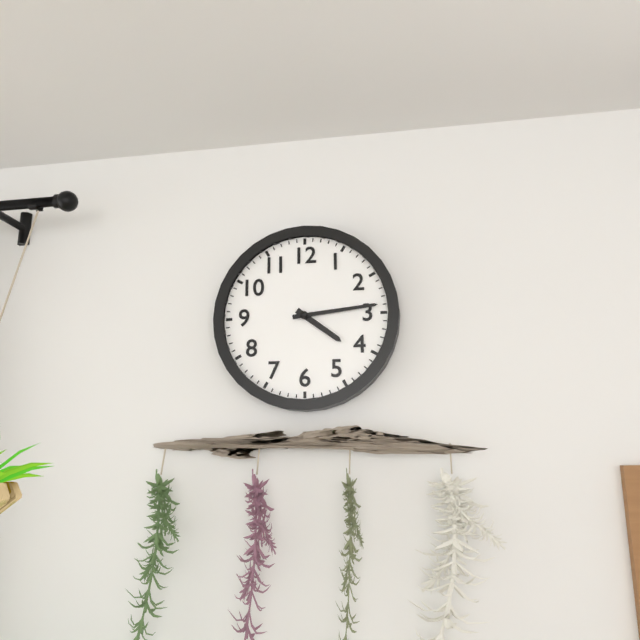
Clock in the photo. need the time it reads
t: 4:14
